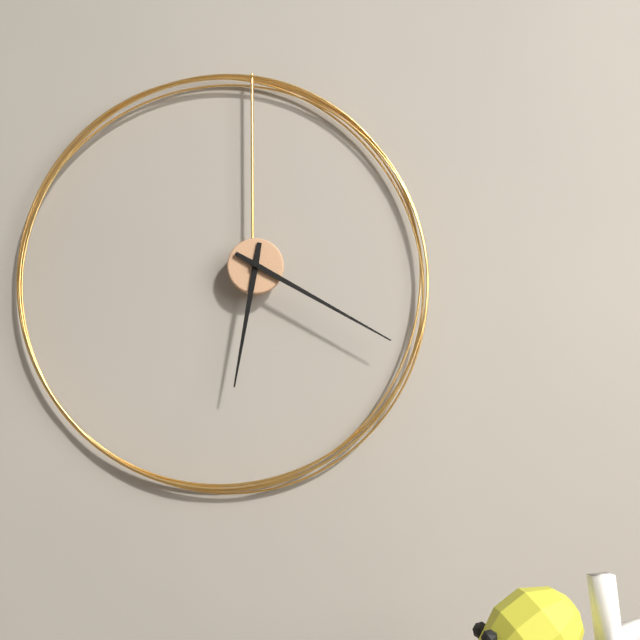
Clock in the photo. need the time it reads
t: 6:20
